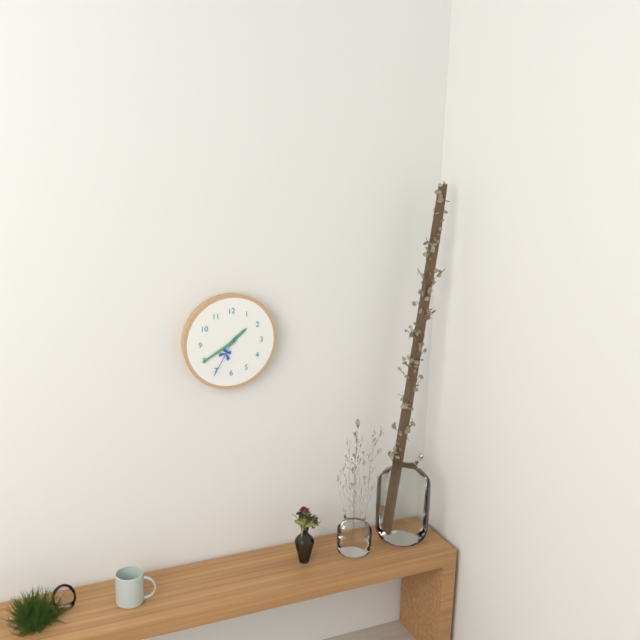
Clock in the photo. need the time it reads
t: 1:40
